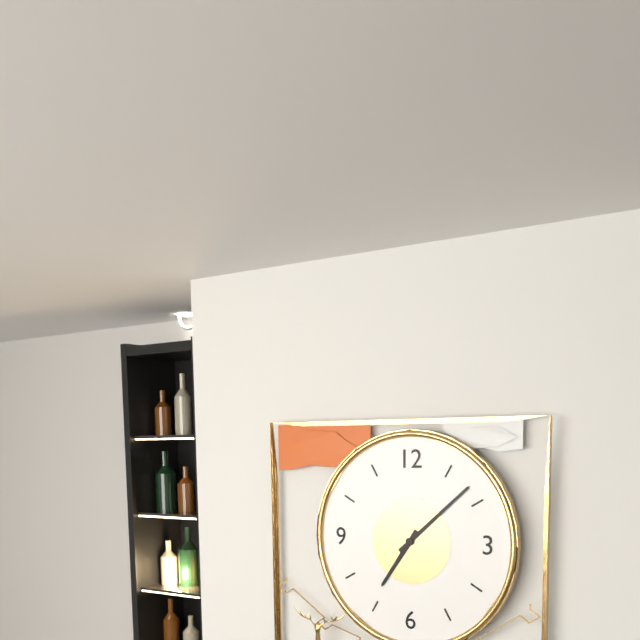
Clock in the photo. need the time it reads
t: 7:08
